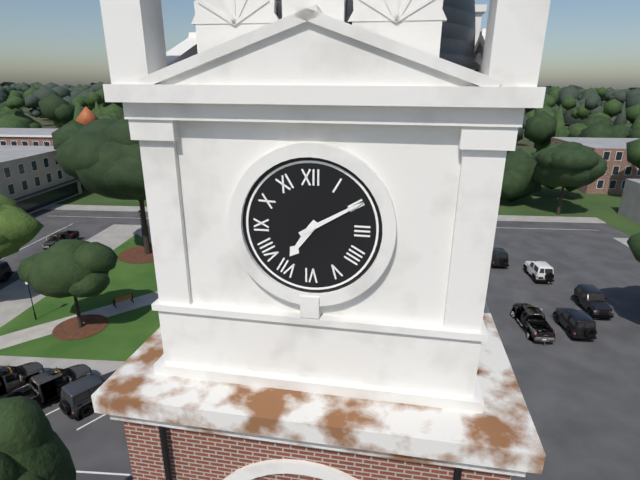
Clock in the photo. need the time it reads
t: 7:10
